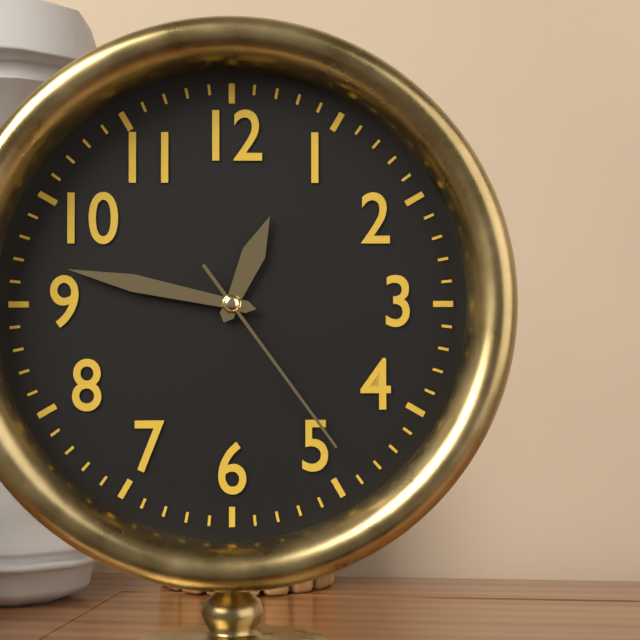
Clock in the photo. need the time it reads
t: 12:47:24
